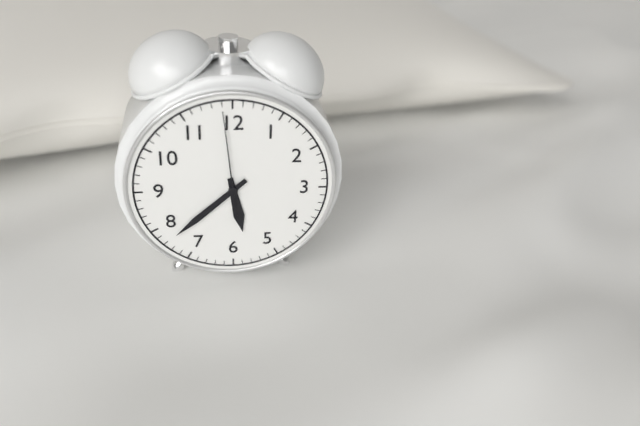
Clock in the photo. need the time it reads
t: 5:38:59
